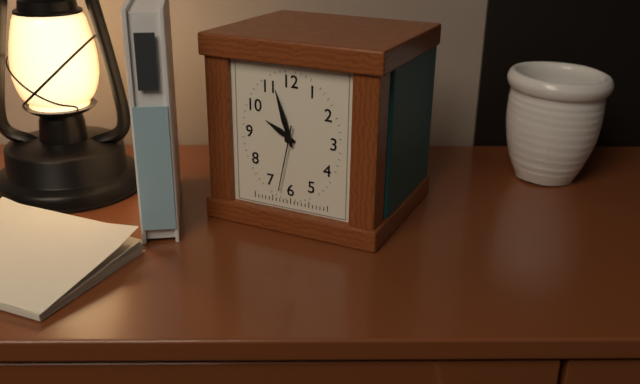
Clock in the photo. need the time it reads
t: 9:57:32
